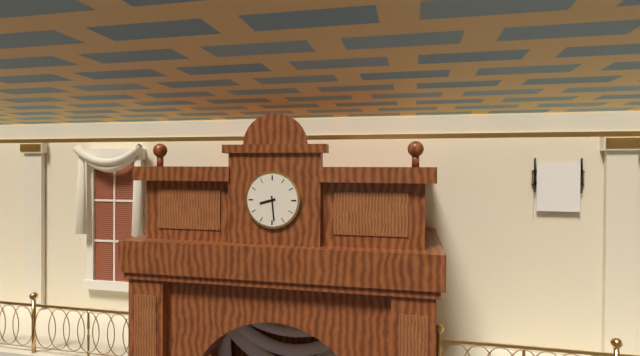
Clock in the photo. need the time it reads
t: 8:29
